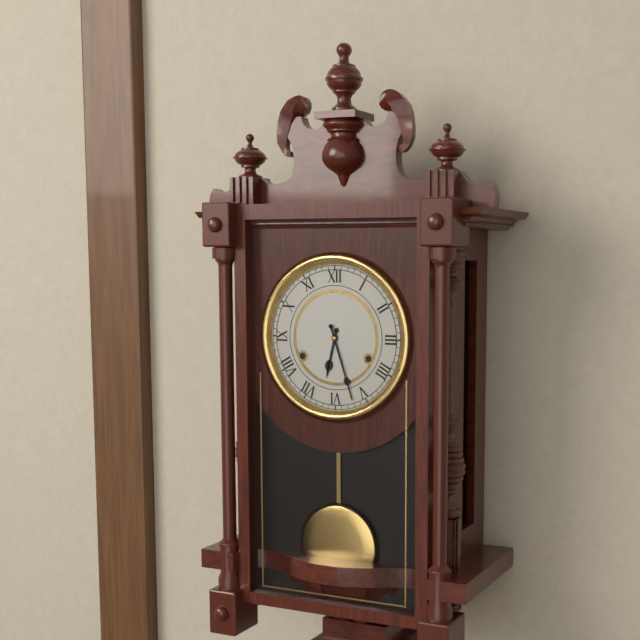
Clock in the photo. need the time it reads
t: 6:27
